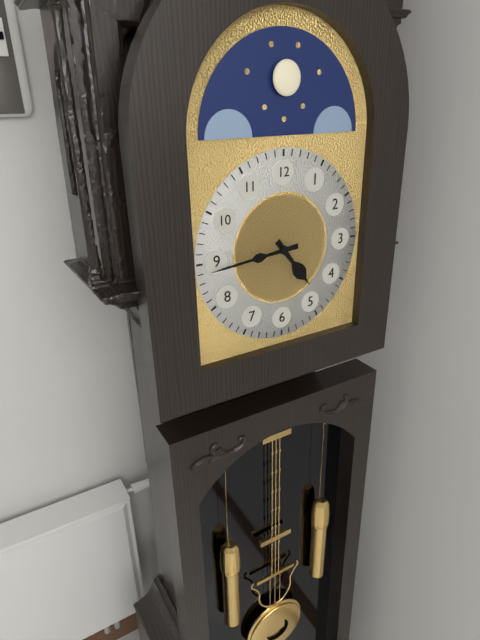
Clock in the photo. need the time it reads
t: 4:44
